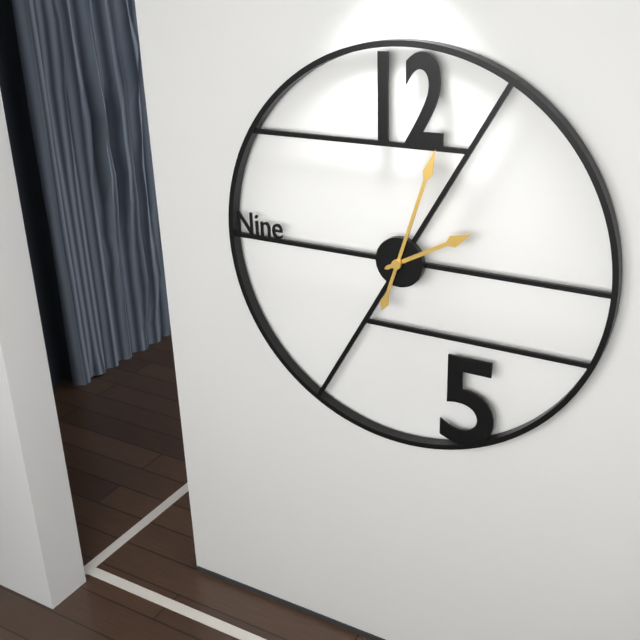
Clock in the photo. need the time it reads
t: 2:03
